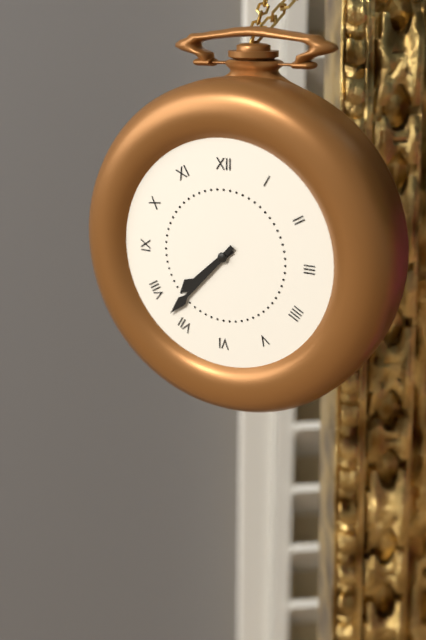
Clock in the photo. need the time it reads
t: 7:37
